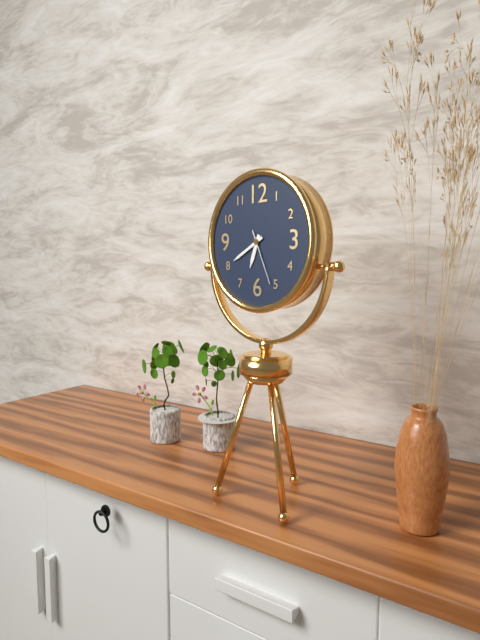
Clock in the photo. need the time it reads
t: 6:40:26
